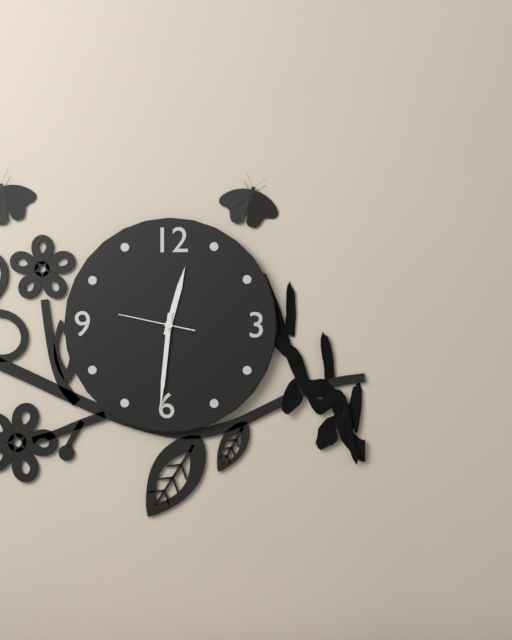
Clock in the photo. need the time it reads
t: 12:31:47
